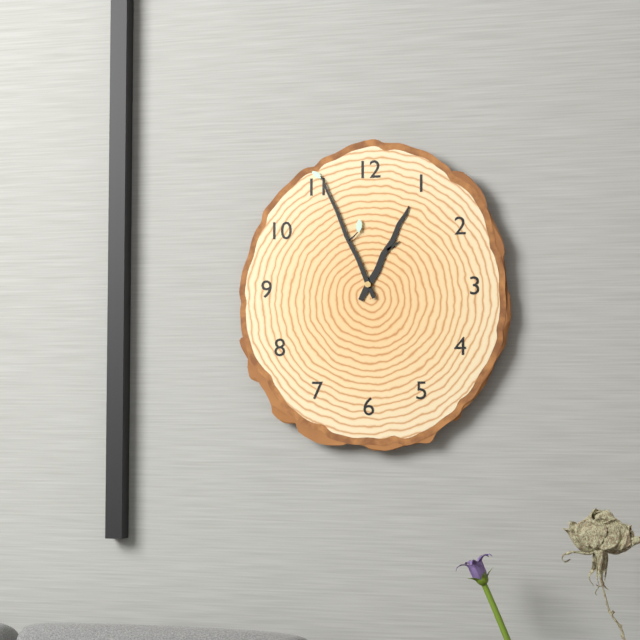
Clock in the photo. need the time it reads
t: 12:56
